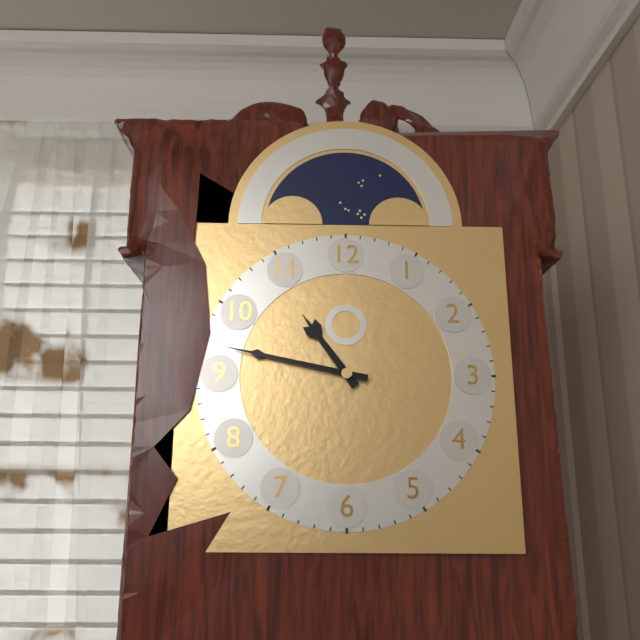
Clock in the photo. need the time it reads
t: 10:47
